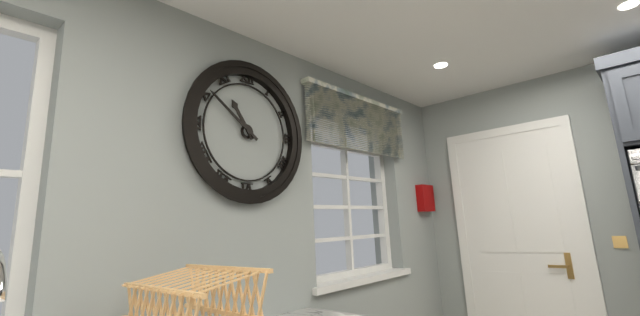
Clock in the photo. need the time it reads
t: 10:51
